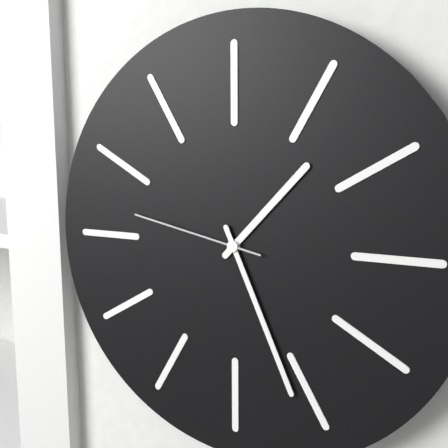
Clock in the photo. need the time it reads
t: 1:26:47
